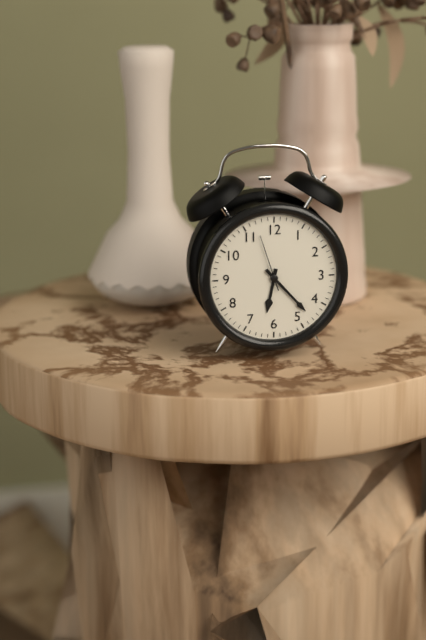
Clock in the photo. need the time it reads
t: 6:23:57
